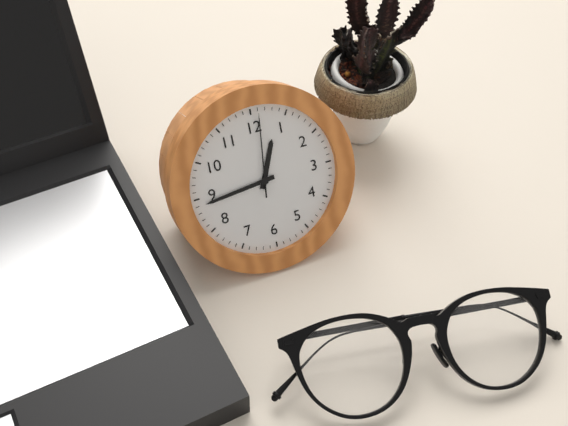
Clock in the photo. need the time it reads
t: 12:44:01
